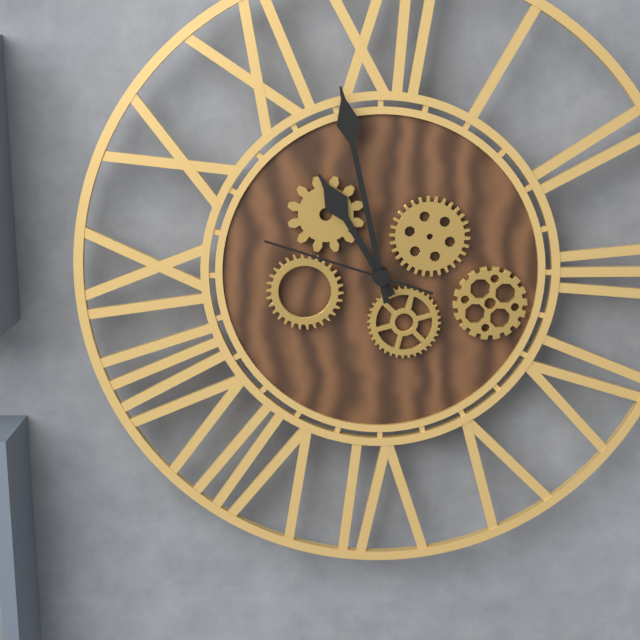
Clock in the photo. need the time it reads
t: 10:58:48
